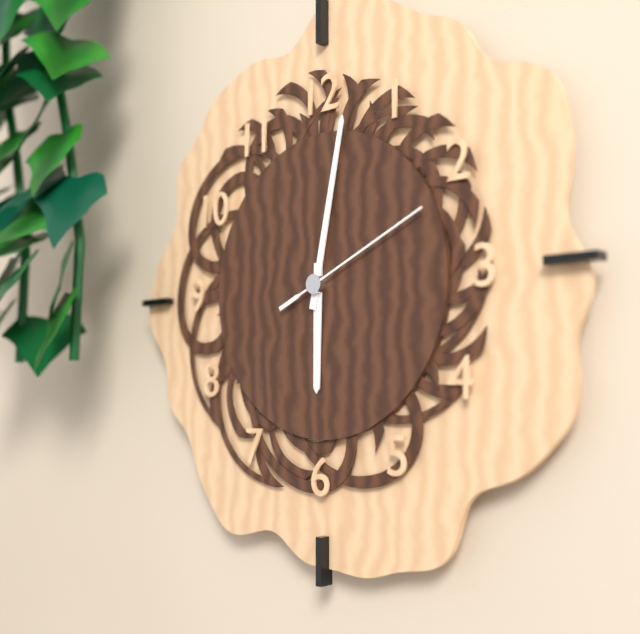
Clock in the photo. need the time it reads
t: 6:02:11
